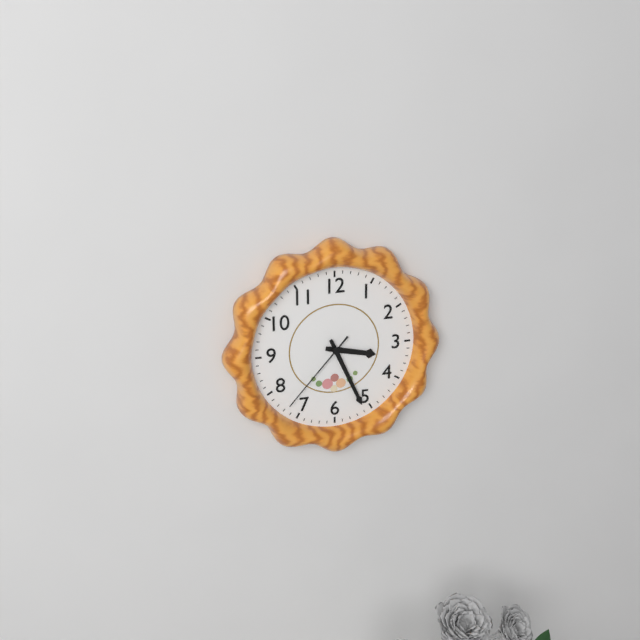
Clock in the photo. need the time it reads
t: 3:26:37
